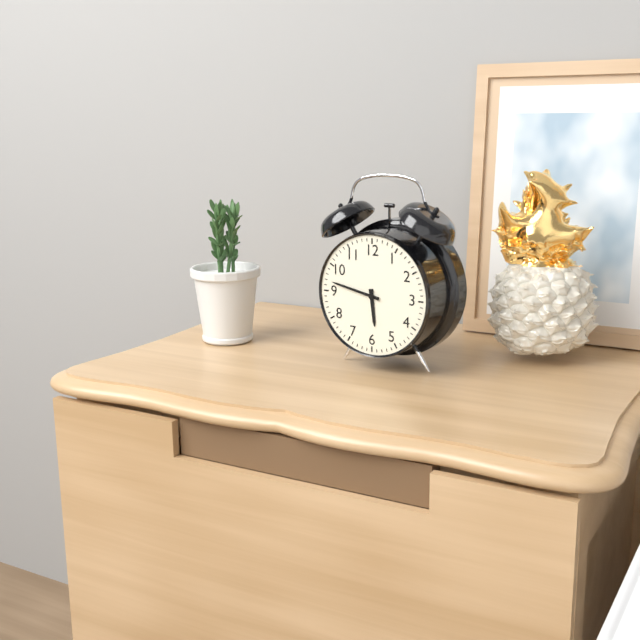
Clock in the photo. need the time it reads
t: 5:47
